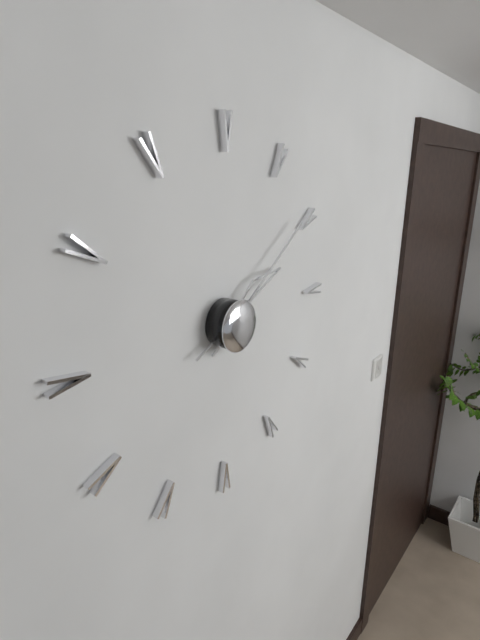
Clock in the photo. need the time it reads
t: 2:09
